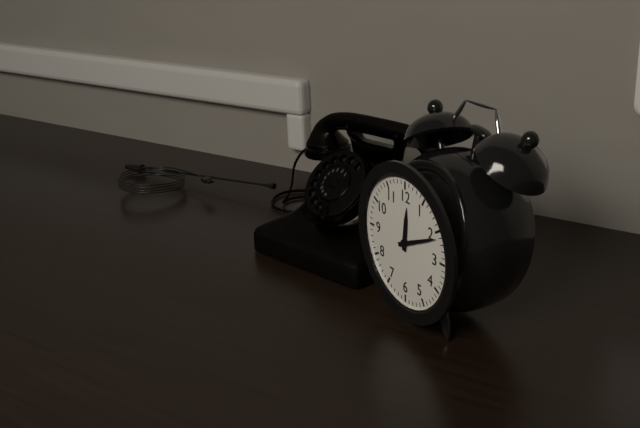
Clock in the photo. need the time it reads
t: 12:11
